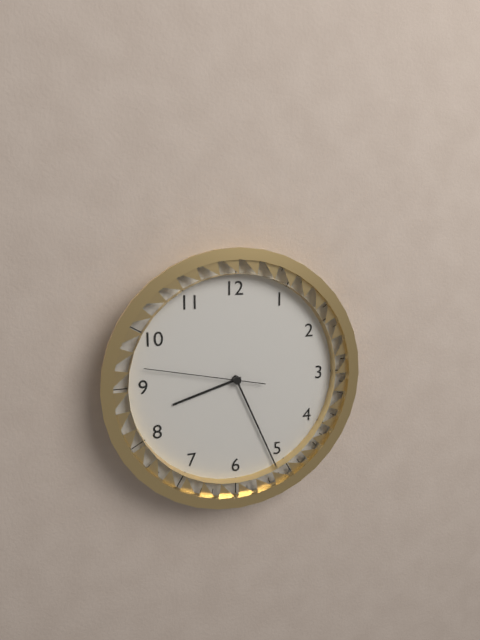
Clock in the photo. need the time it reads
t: 8:26:47
